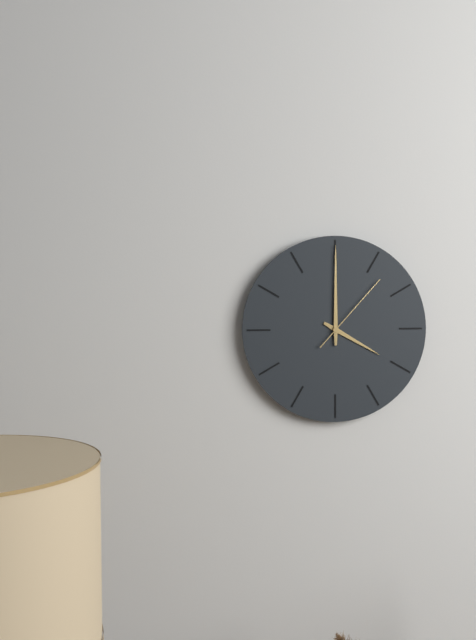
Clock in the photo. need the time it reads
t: 4:00:07
